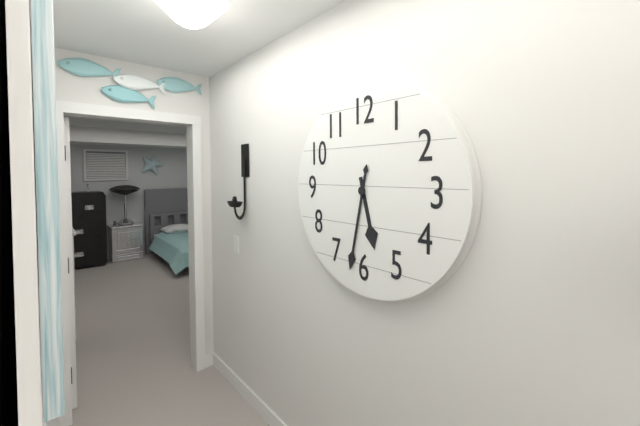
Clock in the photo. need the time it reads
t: 5:32
